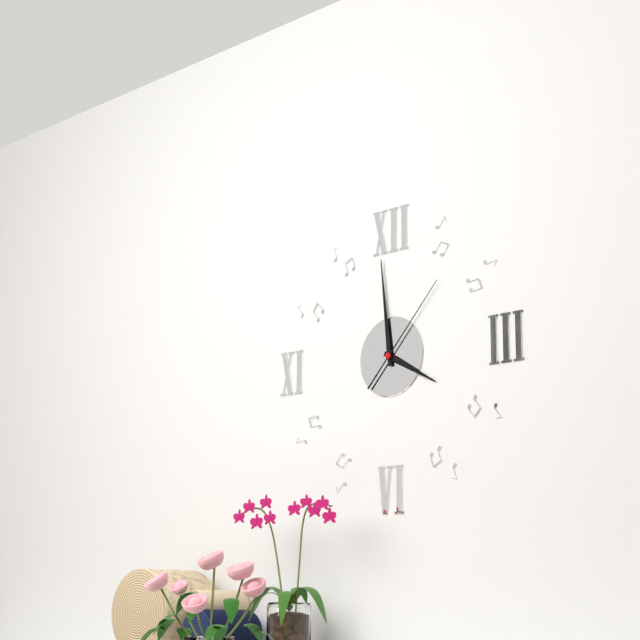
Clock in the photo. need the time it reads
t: 3:59:07
